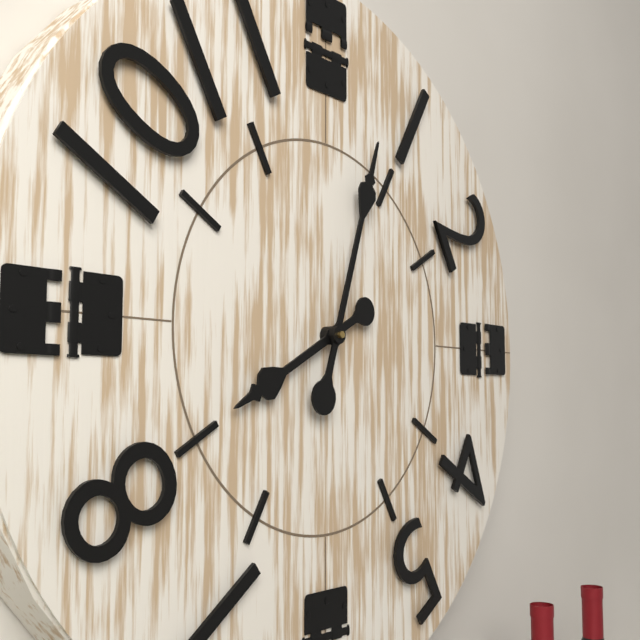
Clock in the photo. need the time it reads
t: 8:03
